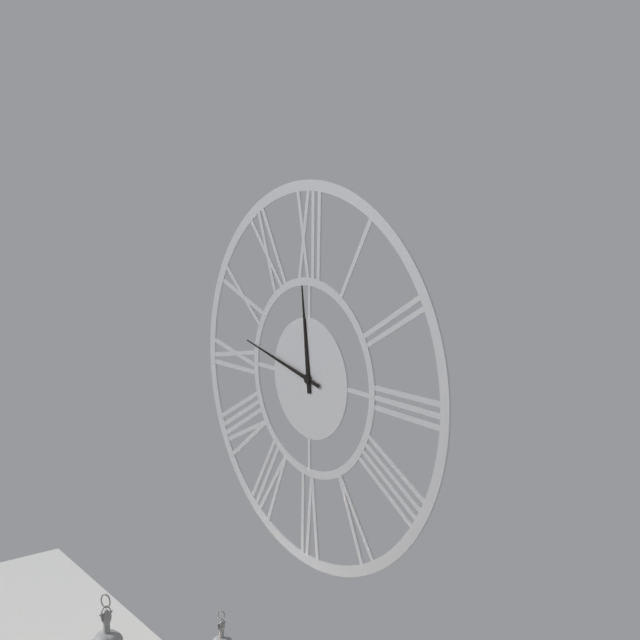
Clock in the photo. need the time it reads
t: 11:47
